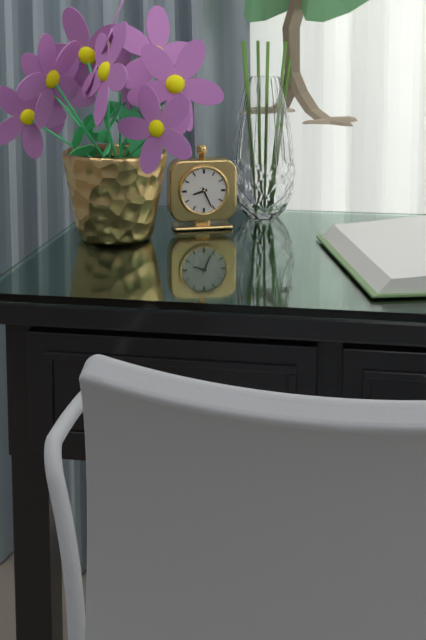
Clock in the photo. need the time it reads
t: 8:26
